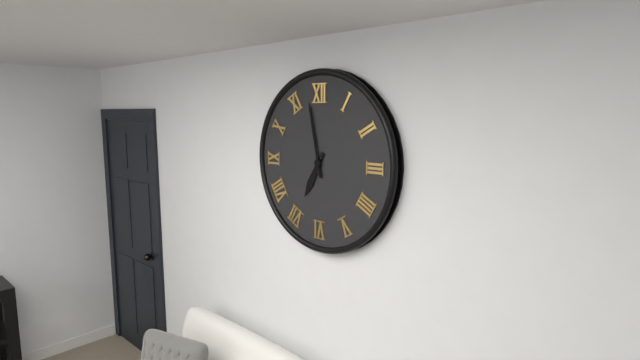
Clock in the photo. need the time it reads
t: 6:58
